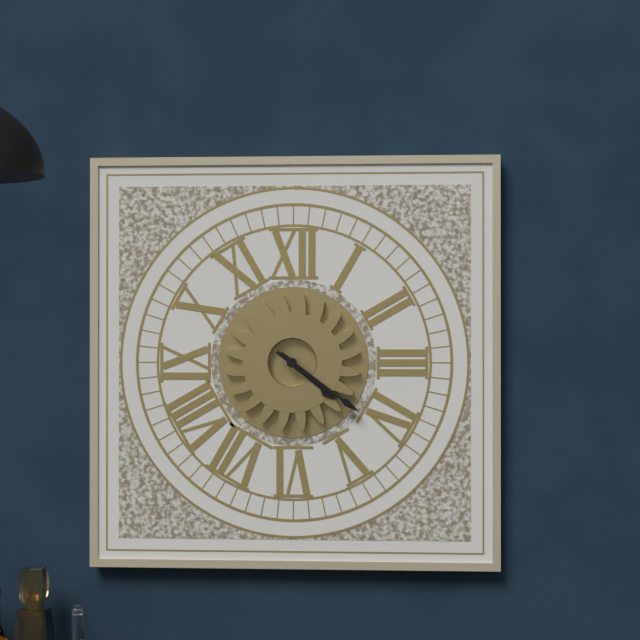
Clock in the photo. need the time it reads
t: 4:21
